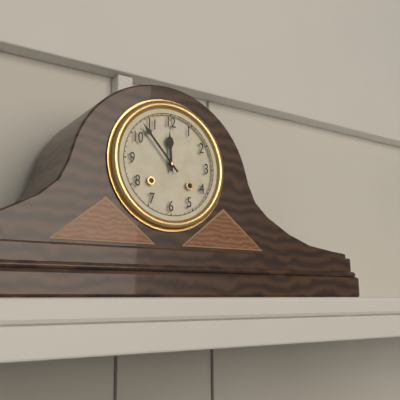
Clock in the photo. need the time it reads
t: 11:53
